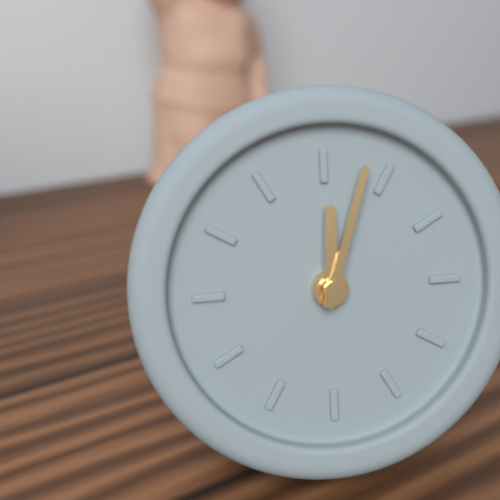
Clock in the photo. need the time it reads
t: 12:03
